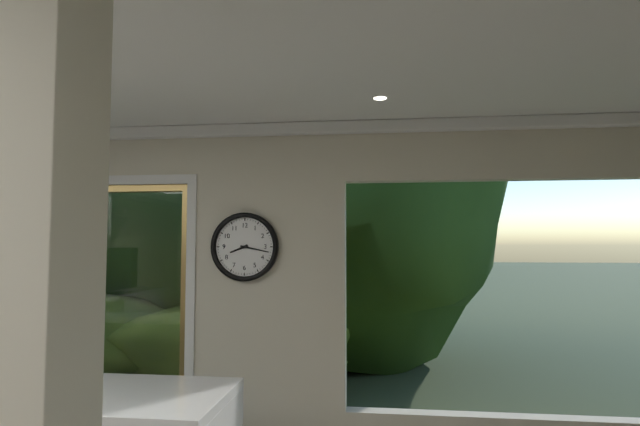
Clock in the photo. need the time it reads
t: 8:17
